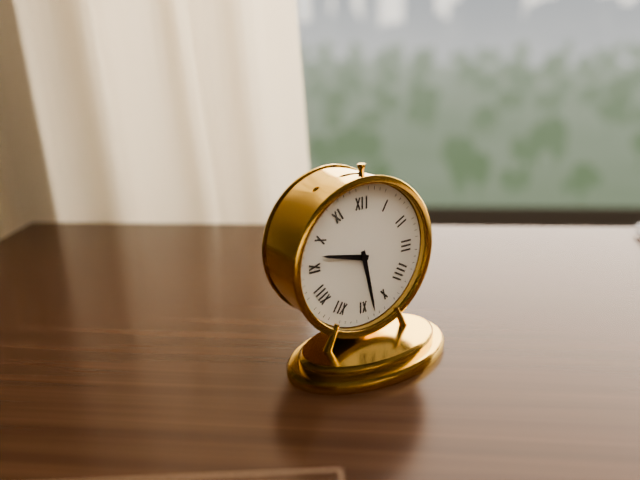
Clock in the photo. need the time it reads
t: 9:28
